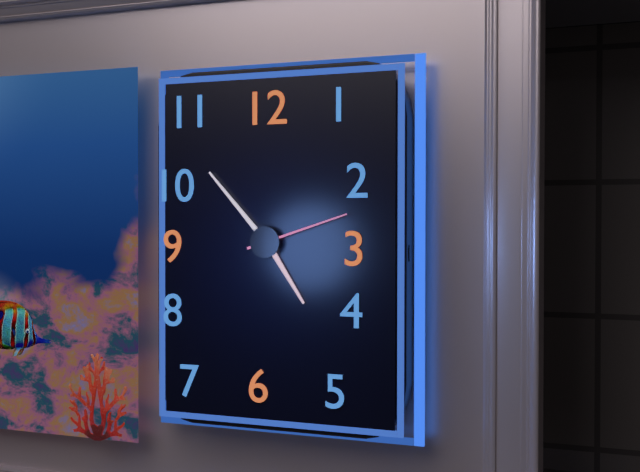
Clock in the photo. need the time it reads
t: 4:53:12
